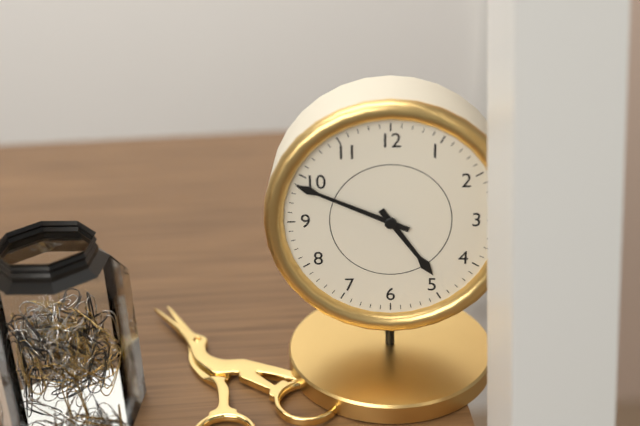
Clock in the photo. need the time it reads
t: 4:49
